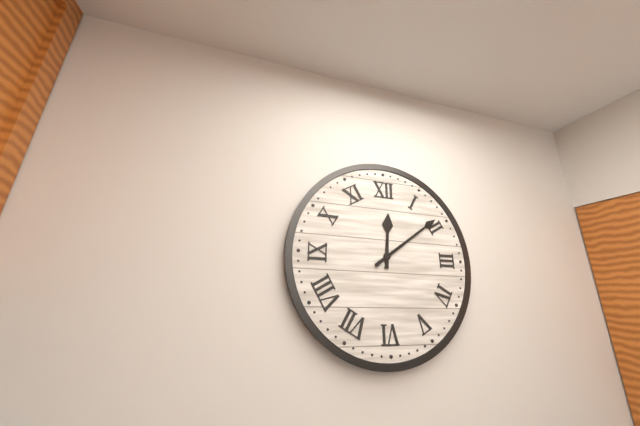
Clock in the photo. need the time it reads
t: 12:09
